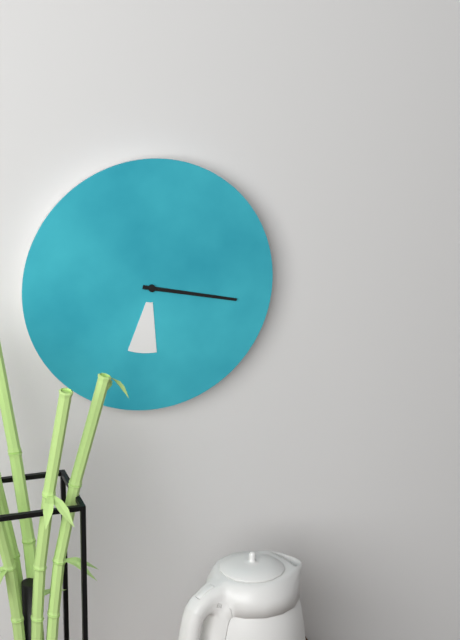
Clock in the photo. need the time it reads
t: 6:17
